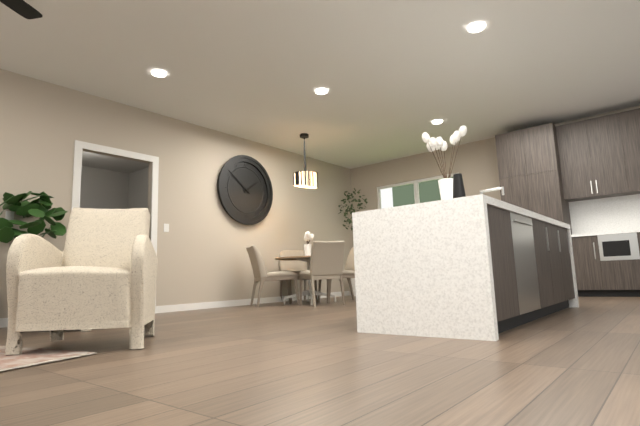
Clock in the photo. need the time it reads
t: 1:51
